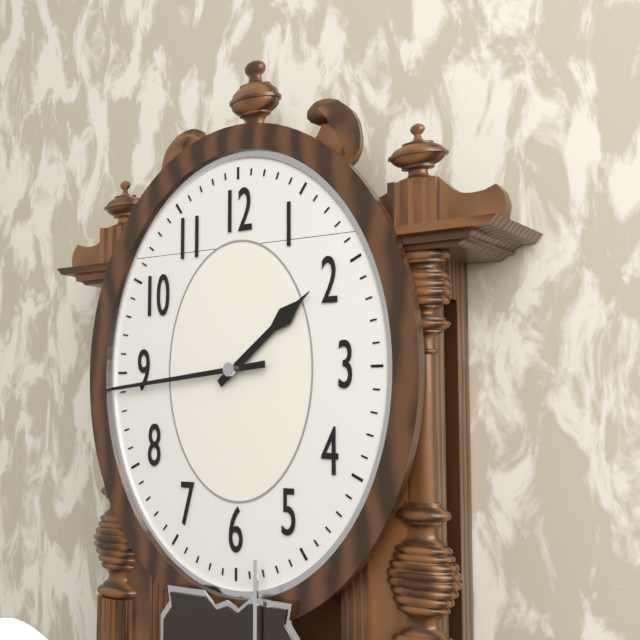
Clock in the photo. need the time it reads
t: 1:44
